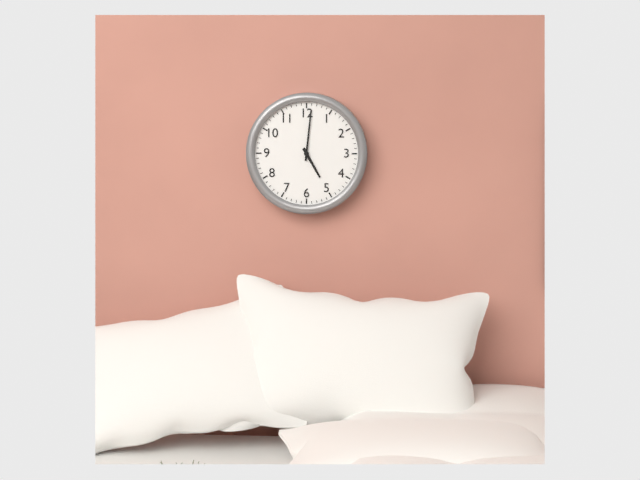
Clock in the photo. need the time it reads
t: 5:01
